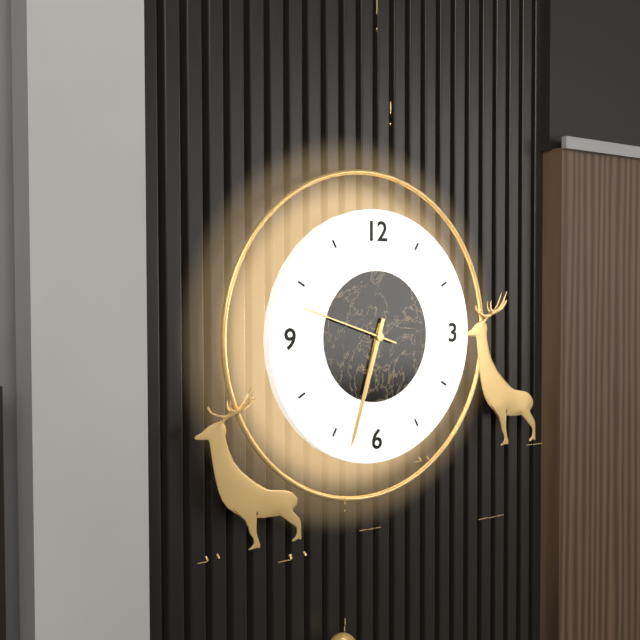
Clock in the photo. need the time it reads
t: 6:33:48
